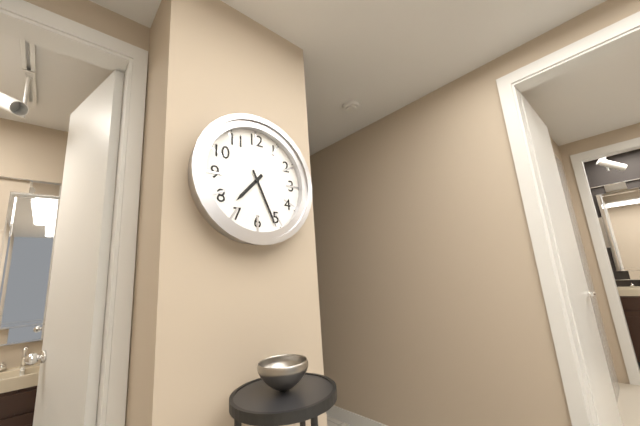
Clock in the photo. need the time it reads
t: 7:26
